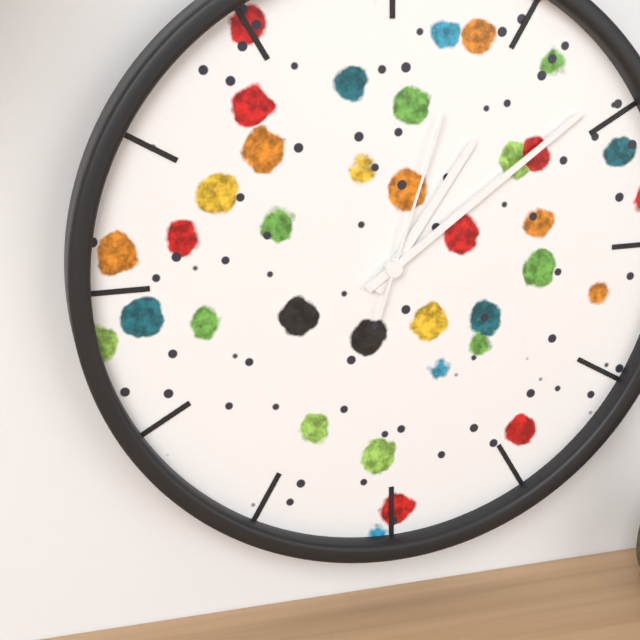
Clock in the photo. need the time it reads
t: 1:09:03
